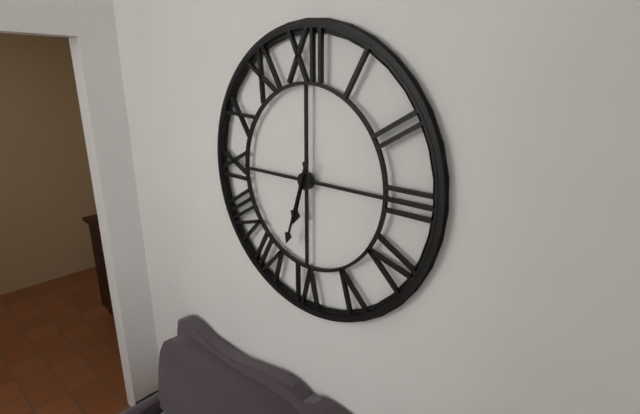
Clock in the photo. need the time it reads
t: 6:33
